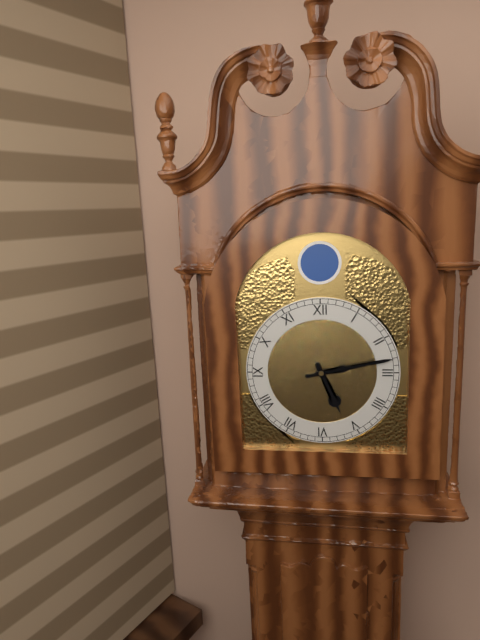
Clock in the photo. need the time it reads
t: 5:13
